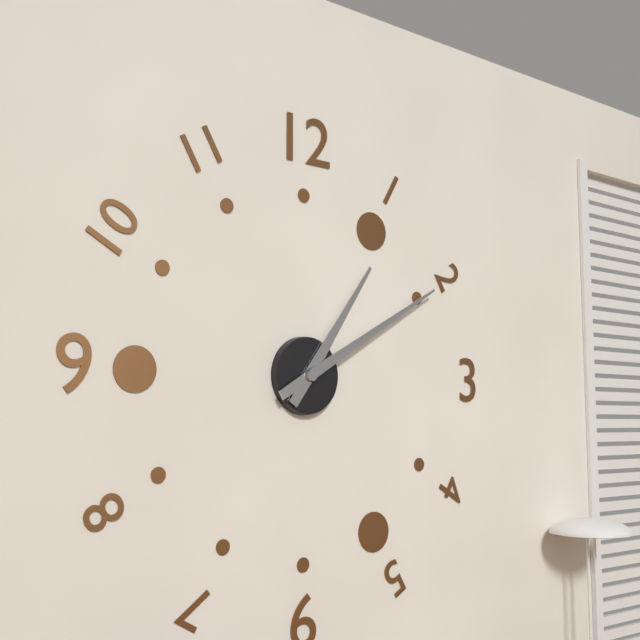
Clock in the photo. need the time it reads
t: 1:10
